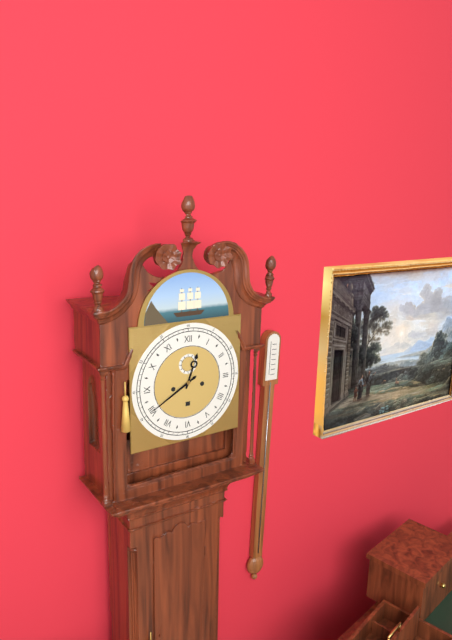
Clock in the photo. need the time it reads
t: 12:40
